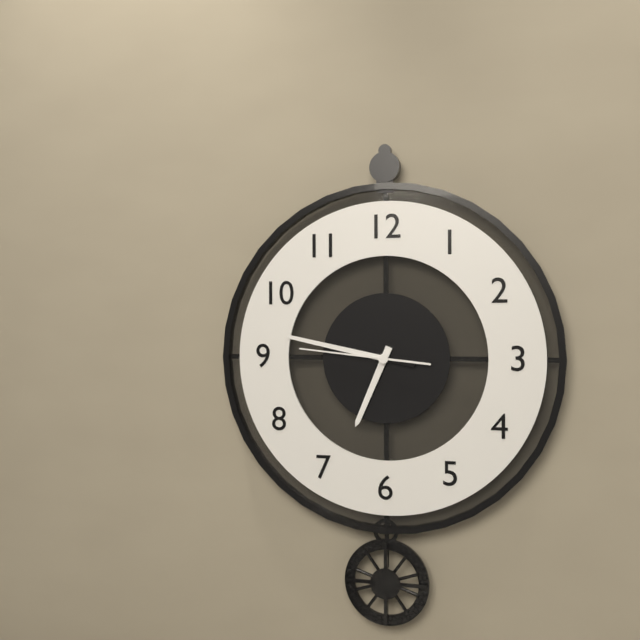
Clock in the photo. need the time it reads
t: 6:47:46
